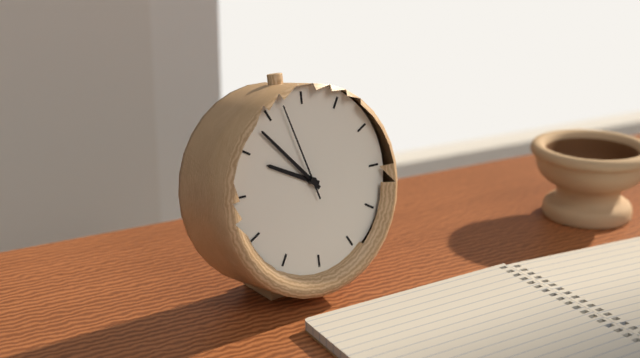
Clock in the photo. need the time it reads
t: 9:53:57
